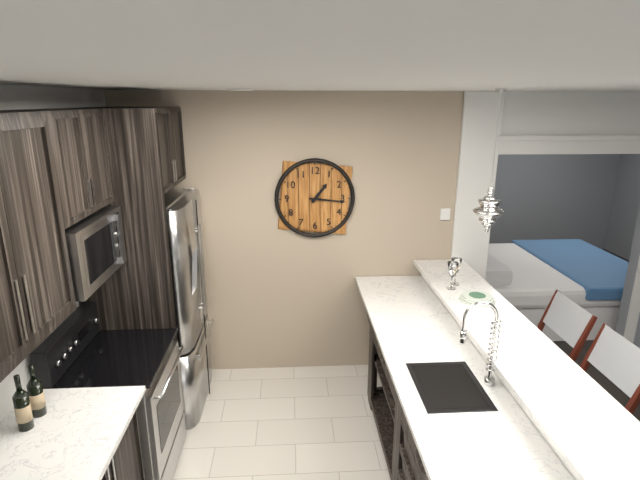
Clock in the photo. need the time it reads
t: 1:16
